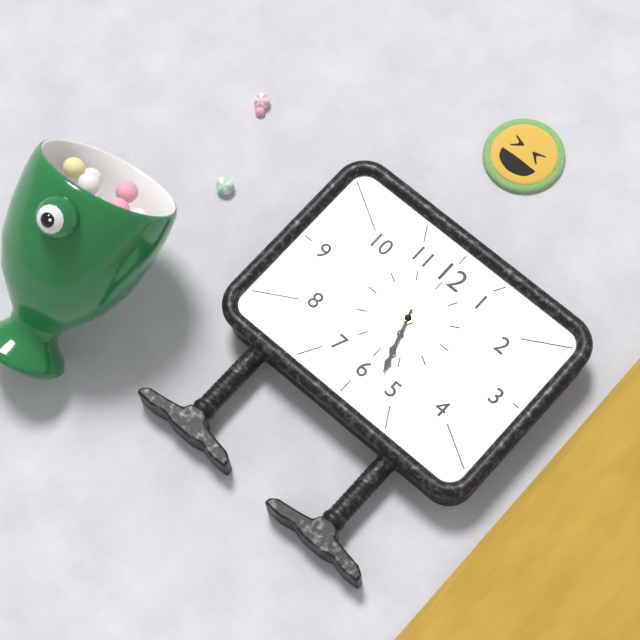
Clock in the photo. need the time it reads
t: 5:27
